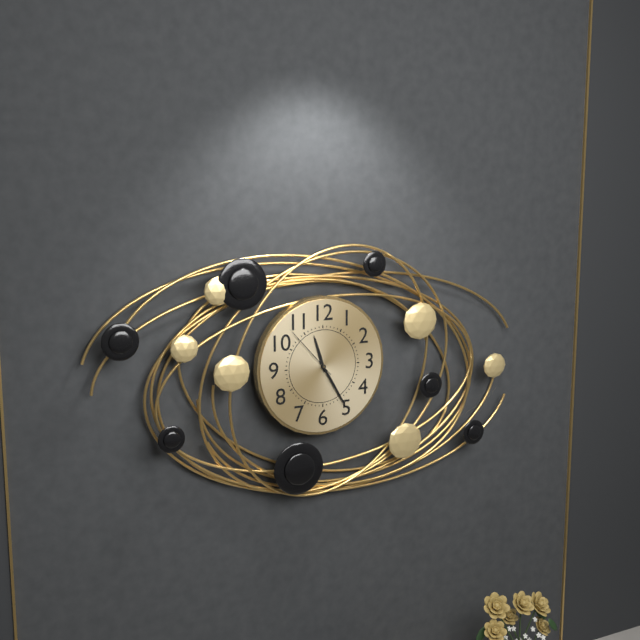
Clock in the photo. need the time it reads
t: 11:25:53
